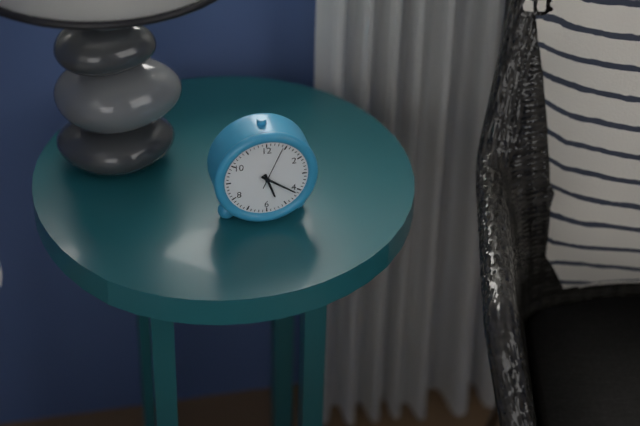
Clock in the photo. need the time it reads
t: 5:21
